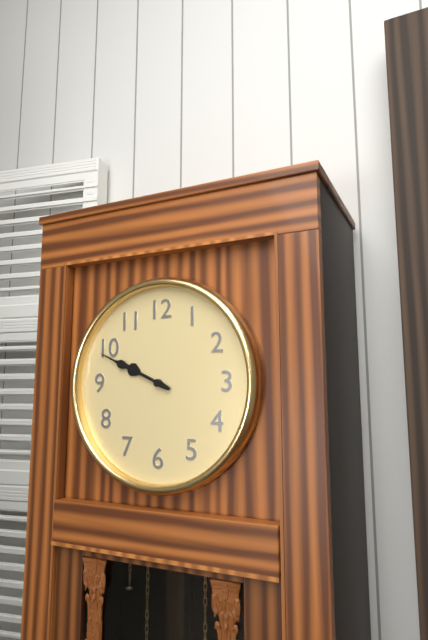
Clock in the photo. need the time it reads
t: 9:49
